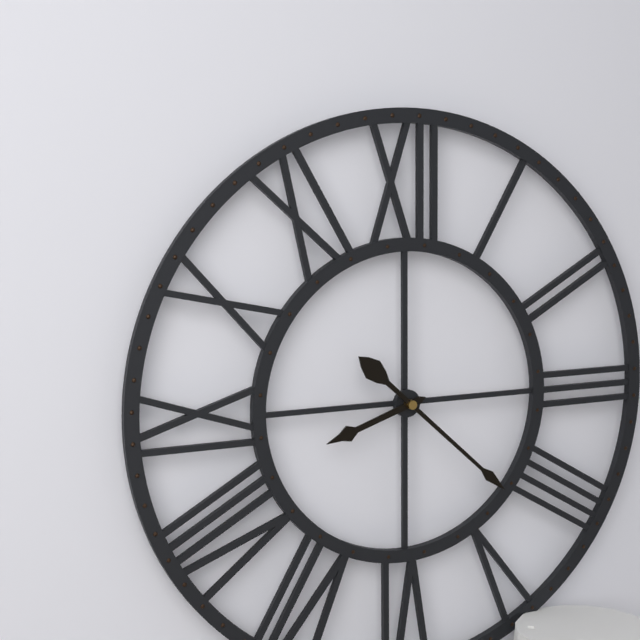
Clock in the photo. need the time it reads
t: 8:22
